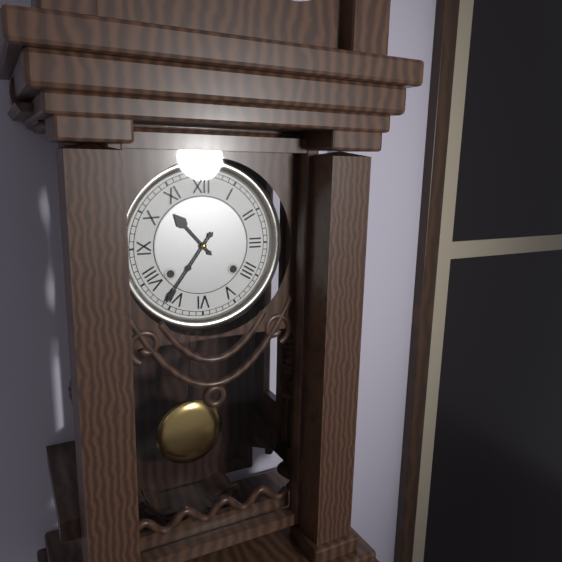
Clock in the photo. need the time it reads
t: 10:36
